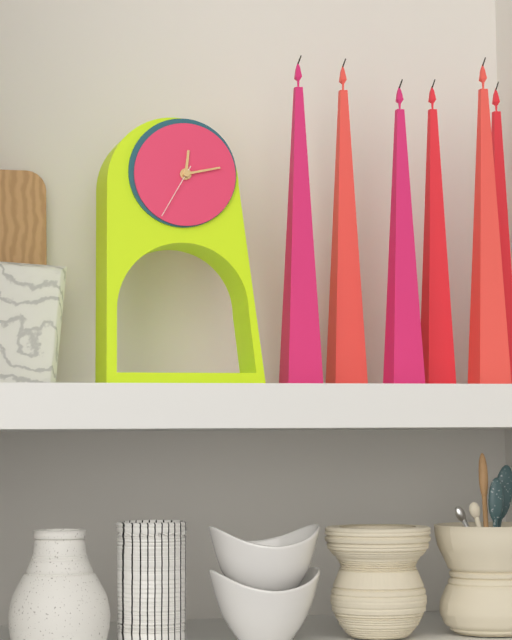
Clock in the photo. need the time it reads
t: 12:13:35
